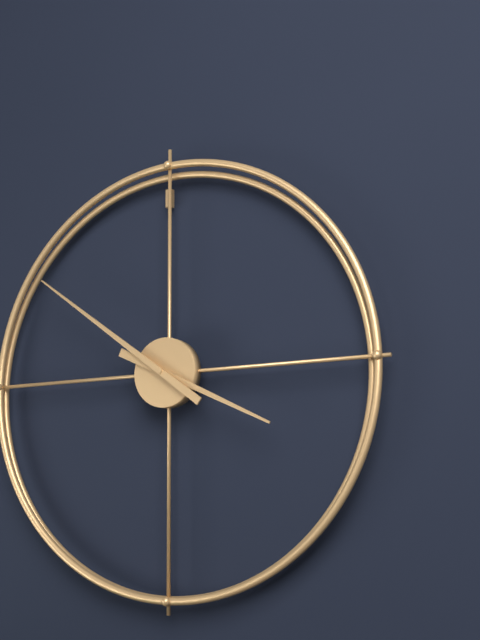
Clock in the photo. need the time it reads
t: 3:51
